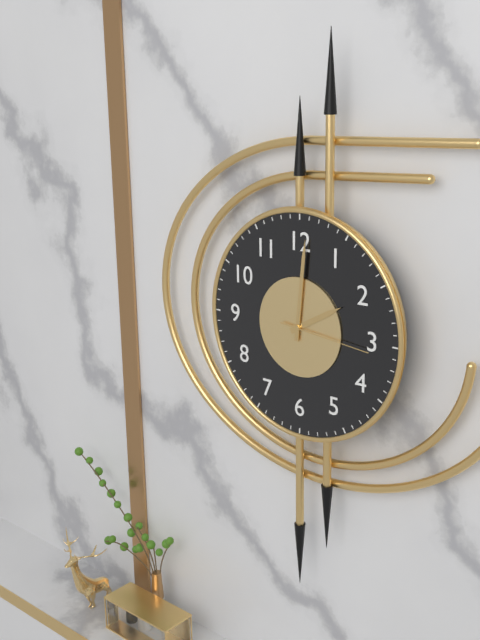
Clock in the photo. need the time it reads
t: 2:01:16
